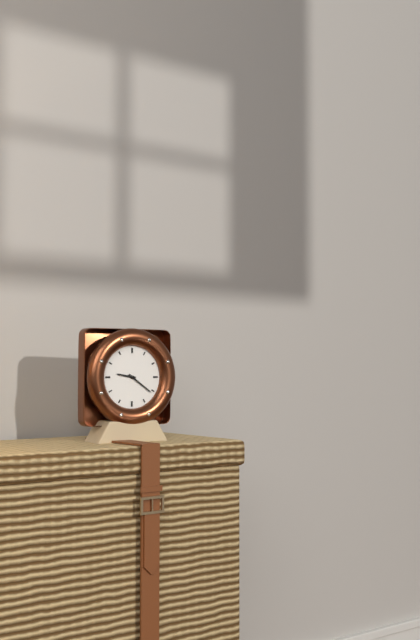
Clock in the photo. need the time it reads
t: 9:21
